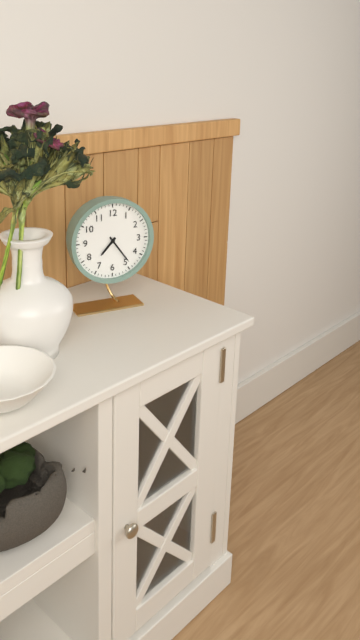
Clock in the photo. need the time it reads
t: 7:24
